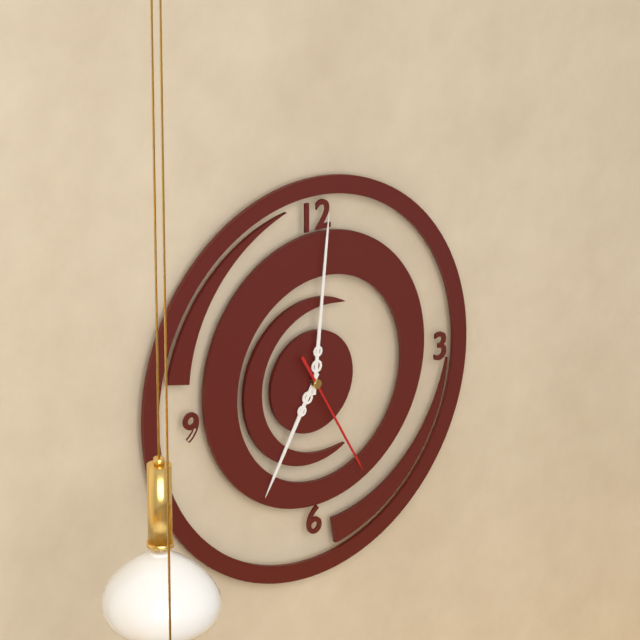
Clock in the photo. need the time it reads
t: 7:01:25
